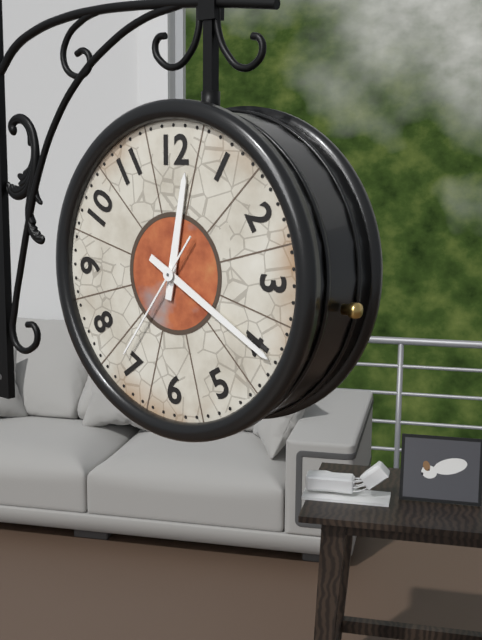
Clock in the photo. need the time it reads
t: 12:20:36
